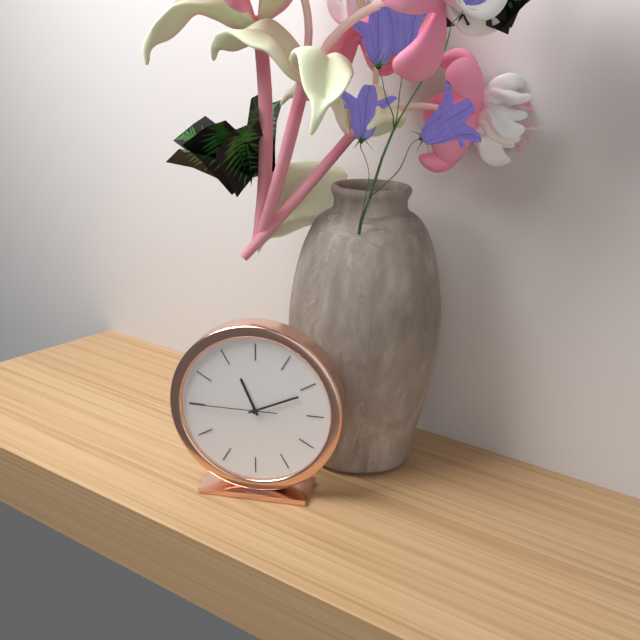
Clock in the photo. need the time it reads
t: 11:11:45
